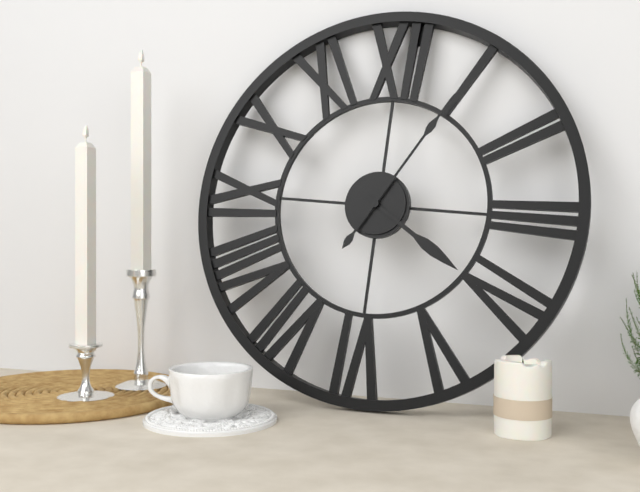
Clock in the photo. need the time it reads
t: 4:05
